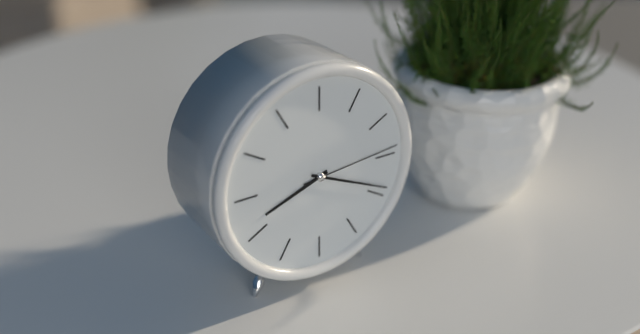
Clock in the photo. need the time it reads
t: 8:19:14
